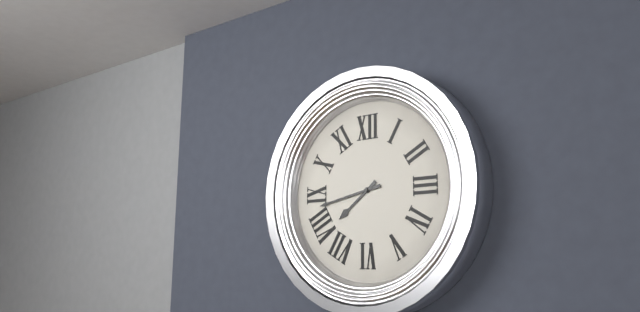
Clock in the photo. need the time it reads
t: 7:43
